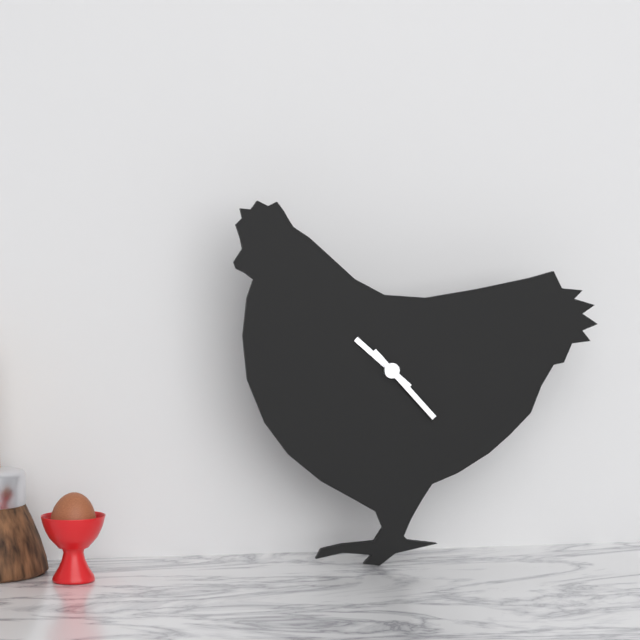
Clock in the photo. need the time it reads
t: 10:23
